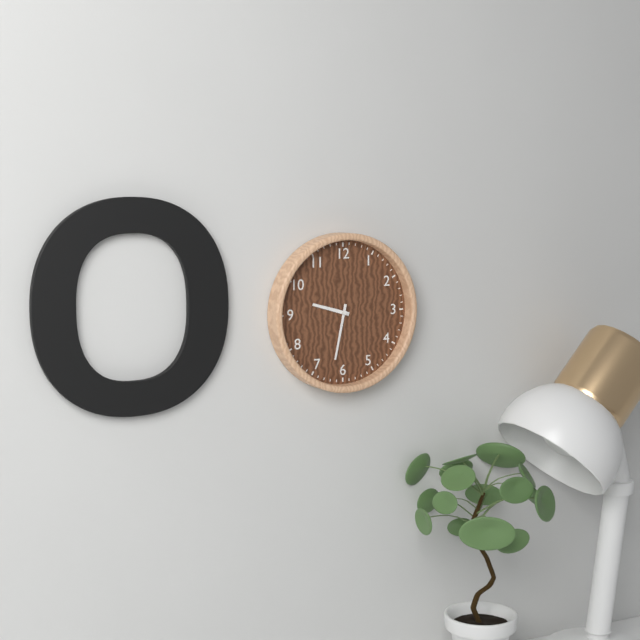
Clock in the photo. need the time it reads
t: 9:32
